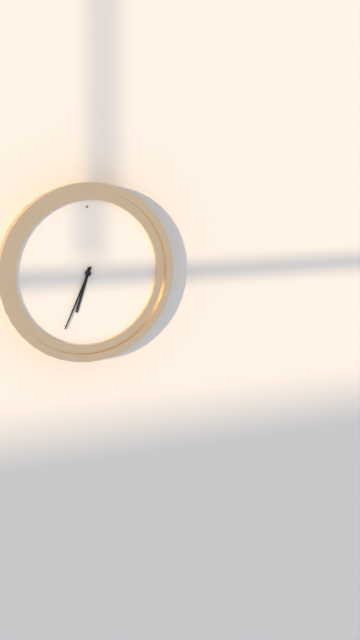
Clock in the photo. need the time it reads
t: 6:34
